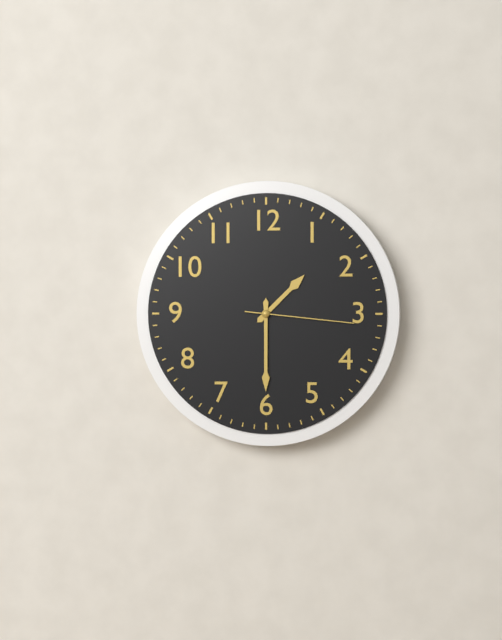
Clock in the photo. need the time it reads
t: 1:30:16
